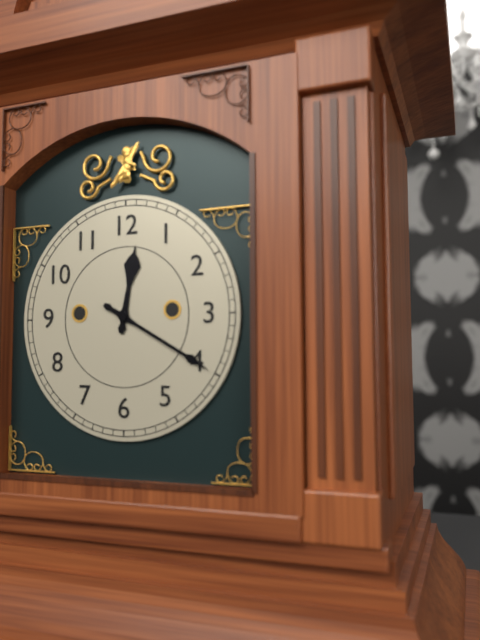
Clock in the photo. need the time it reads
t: 12:20
